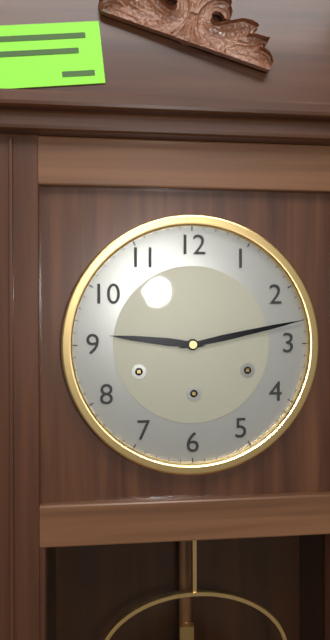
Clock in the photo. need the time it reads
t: 9:13
